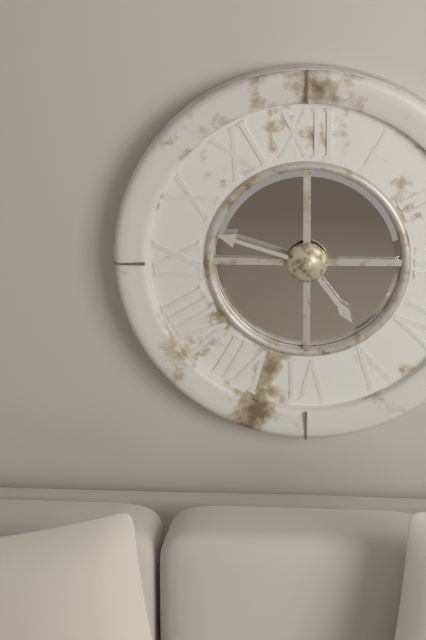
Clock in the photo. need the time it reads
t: 4:48
